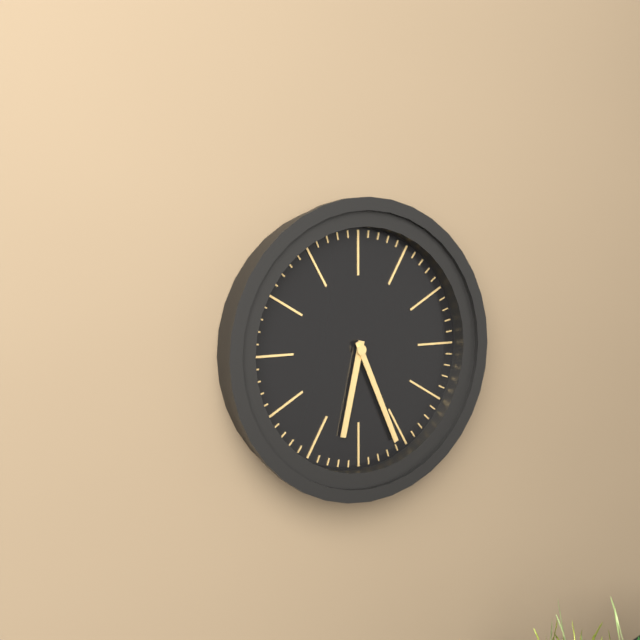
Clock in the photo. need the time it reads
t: 6:26
